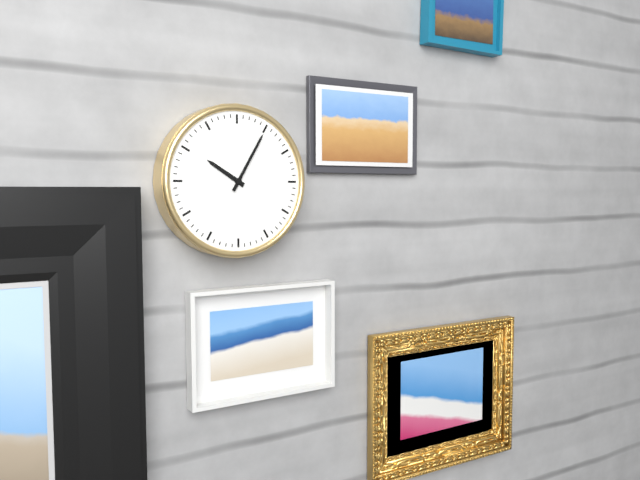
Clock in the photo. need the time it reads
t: 10:05
